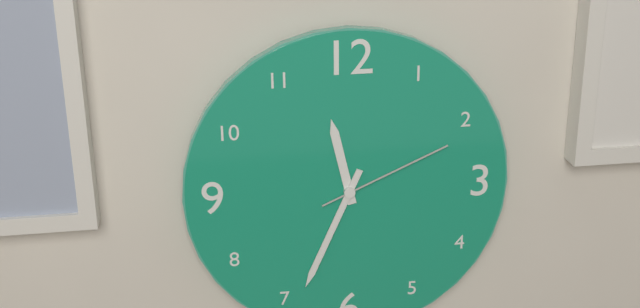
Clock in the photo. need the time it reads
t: 11:34:11
